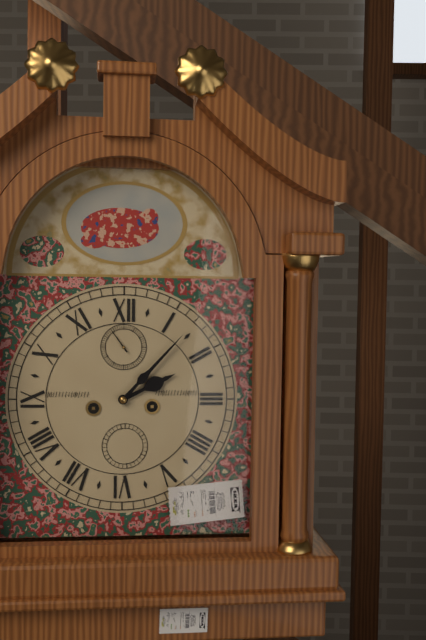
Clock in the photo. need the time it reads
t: 2:07
